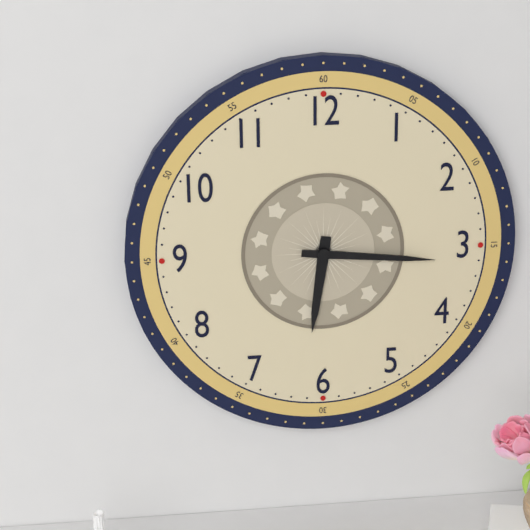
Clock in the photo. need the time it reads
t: 6:16
